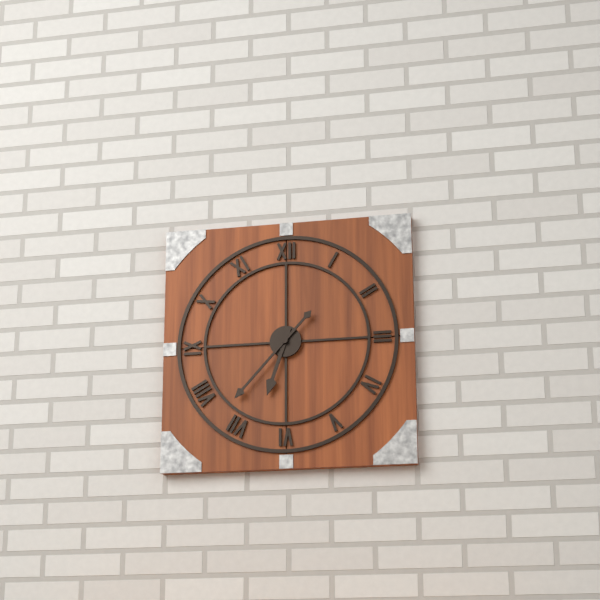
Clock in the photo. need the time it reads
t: 6:37
